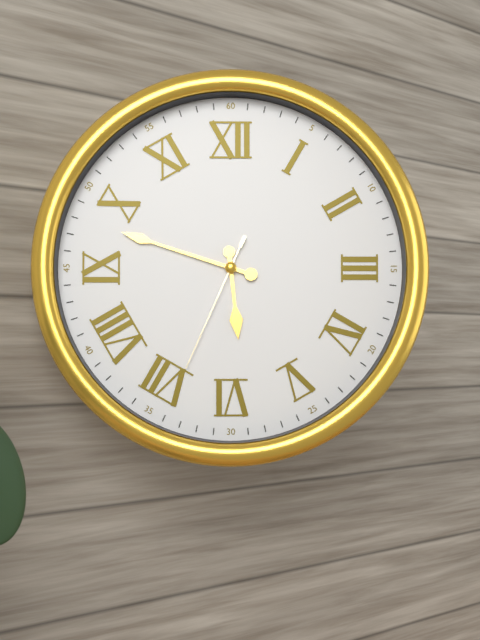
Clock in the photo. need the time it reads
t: 5:48:34
